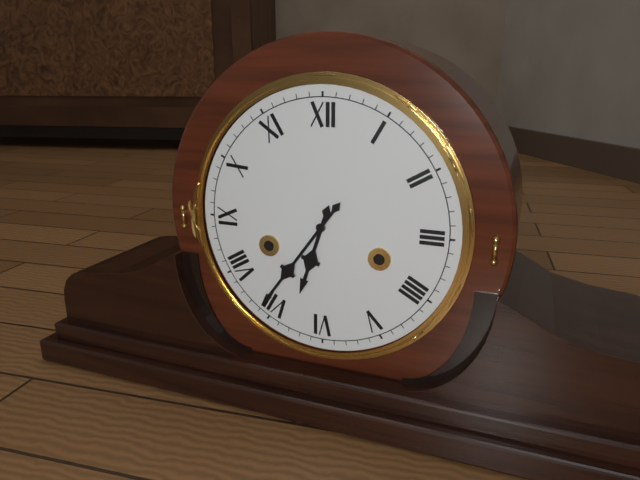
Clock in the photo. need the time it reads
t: 6:36
